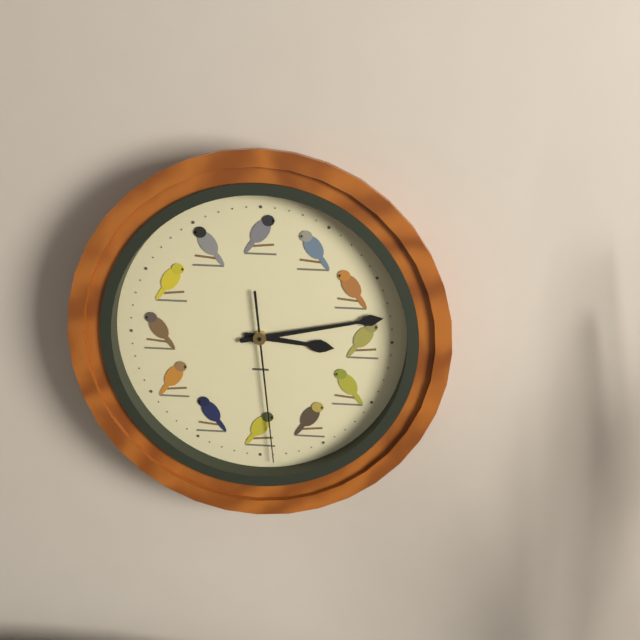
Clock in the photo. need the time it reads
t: 3:13:29
